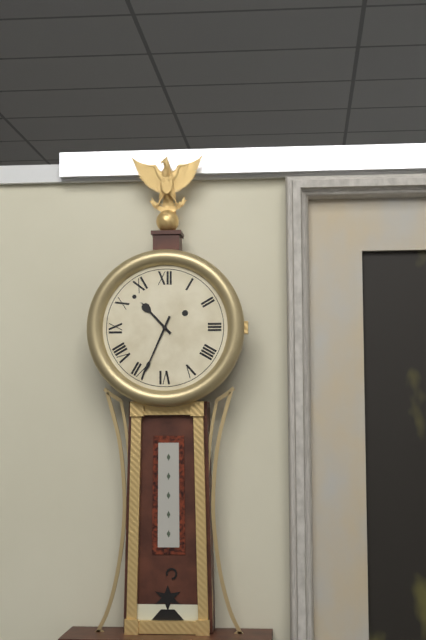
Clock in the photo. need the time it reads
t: 10:34
